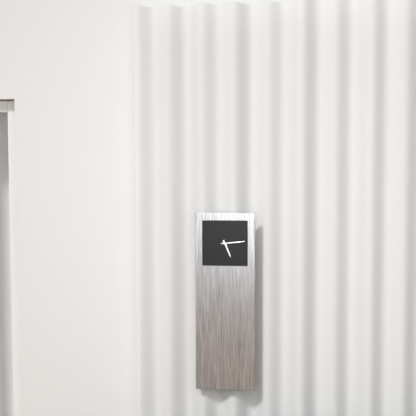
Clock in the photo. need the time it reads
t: 5:14
